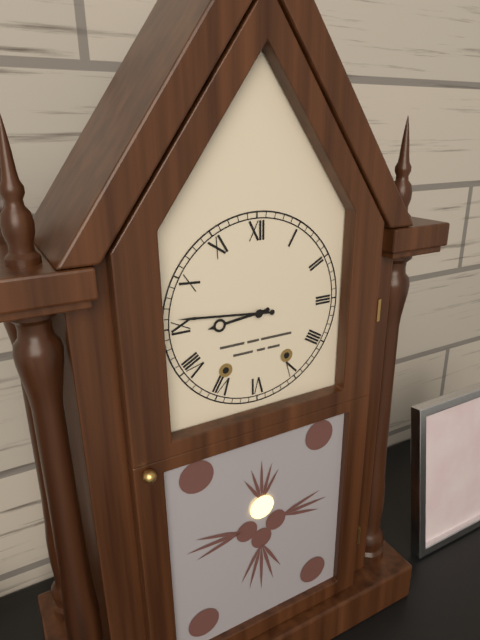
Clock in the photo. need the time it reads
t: 8:46
